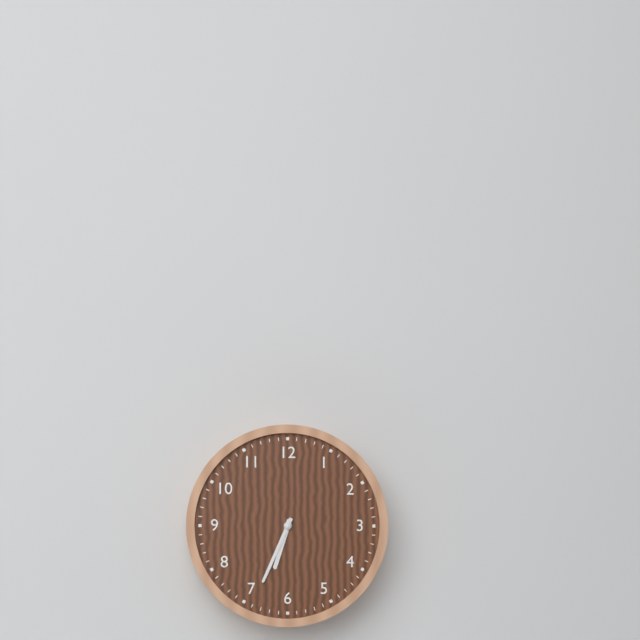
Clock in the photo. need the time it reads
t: 6:34
